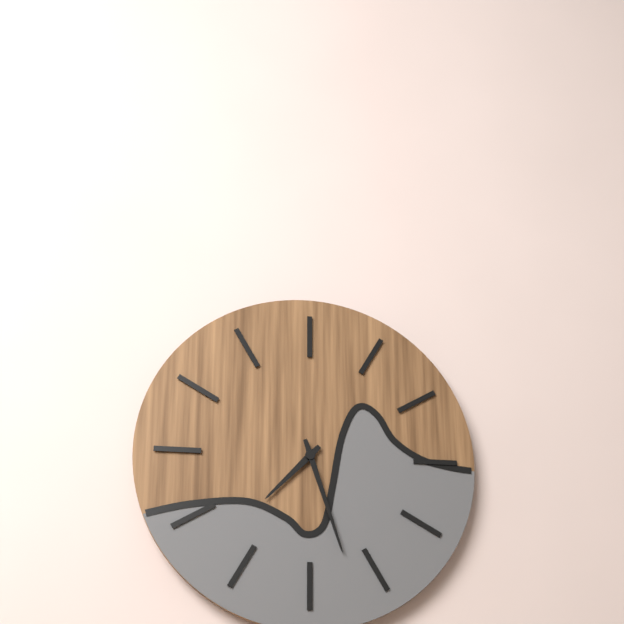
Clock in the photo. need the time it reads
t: 7:27
